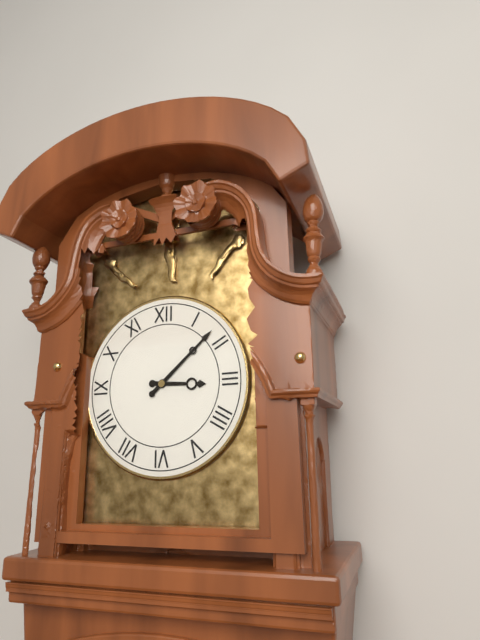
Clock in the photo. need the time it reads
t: 3:08
